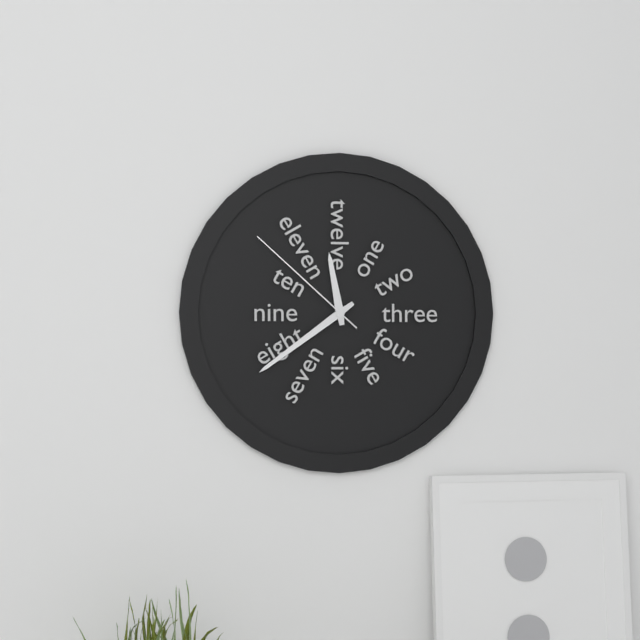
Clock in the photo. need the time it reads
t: 11:39:52
